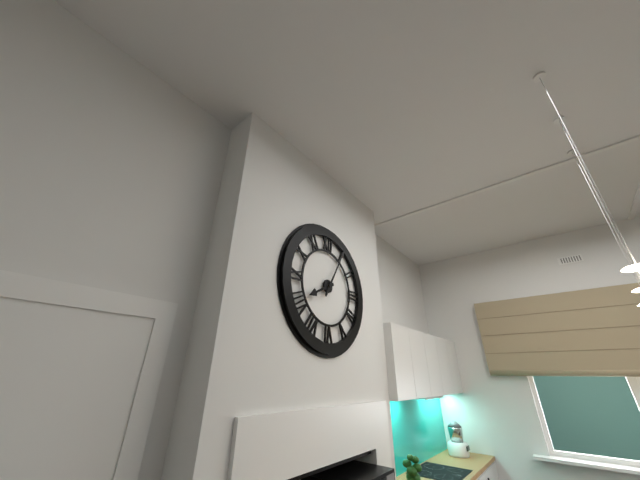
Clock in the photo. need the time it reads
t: 8:05
